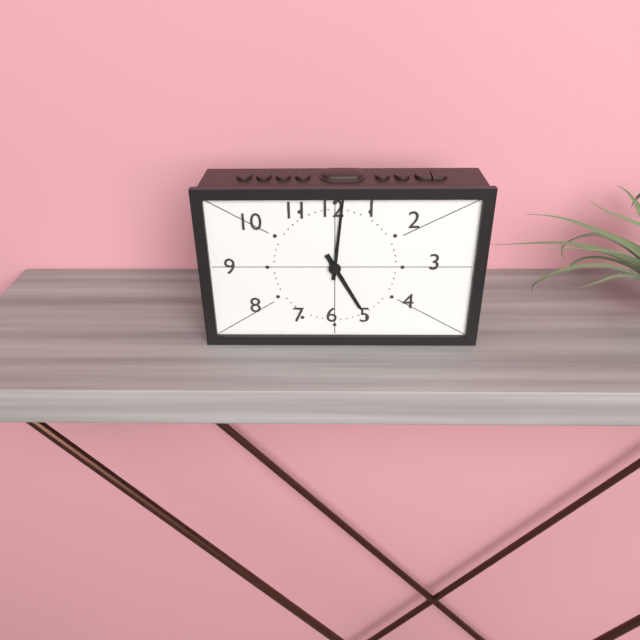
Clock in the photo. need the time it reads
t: 5:01
